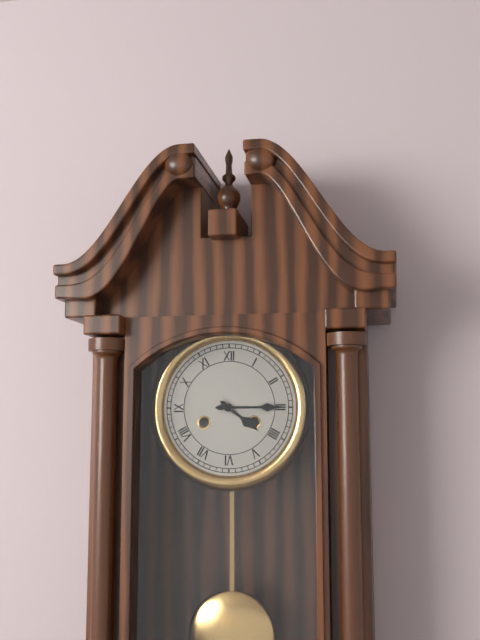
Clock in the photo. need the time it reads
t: 4:15
